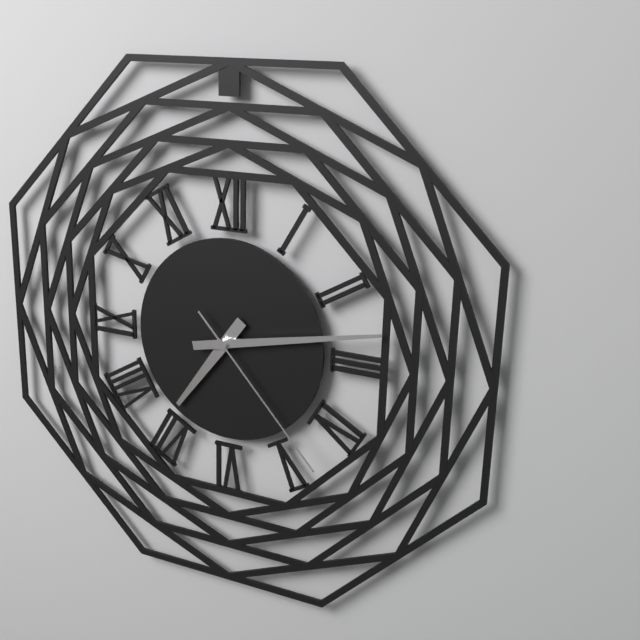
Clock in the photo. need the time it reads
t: 7:13:23
